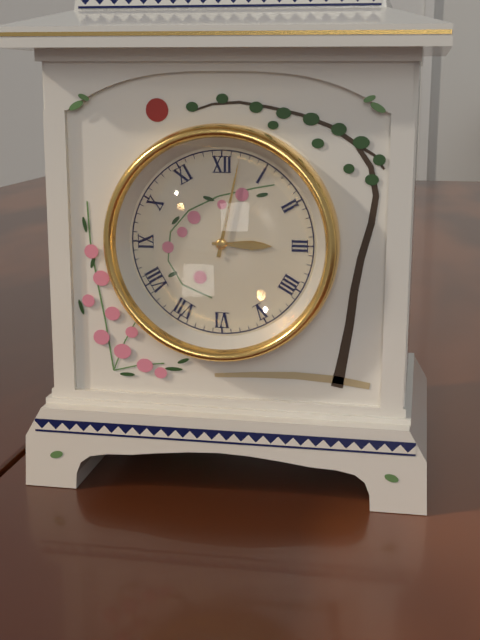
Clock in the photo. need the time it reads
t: 3:02
